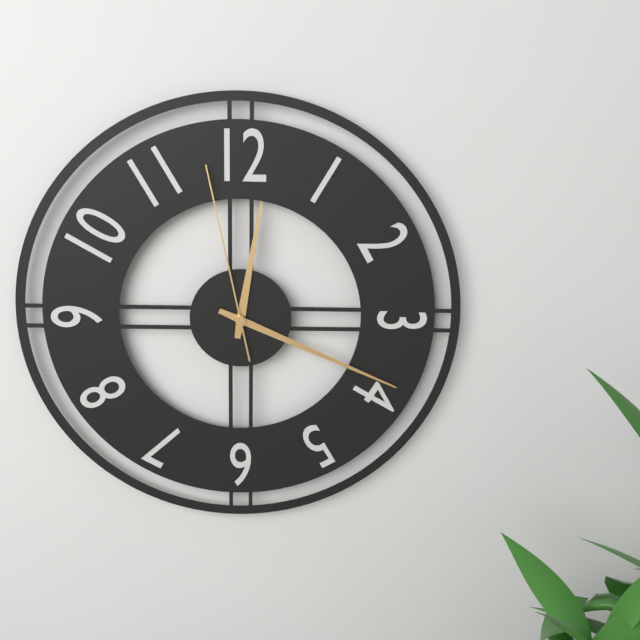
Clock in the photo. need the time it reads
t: 12:19:58
